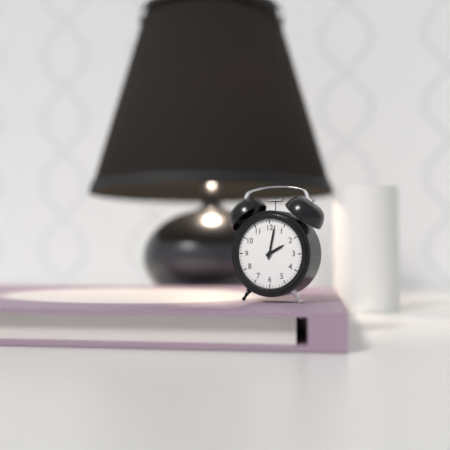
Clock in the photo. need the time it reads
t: 2:02
